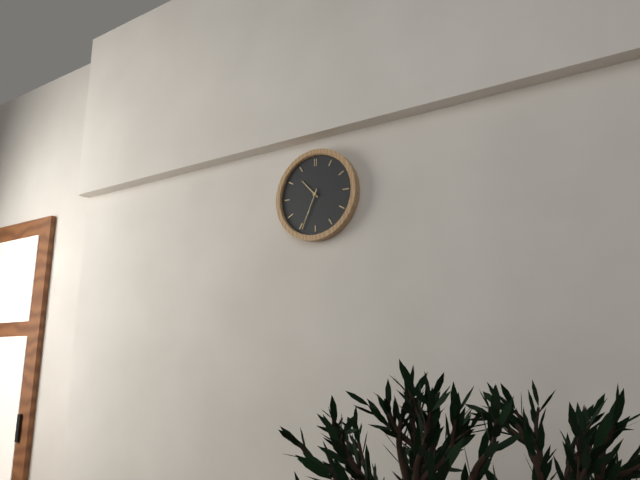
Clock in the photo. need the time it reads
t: 10:34
